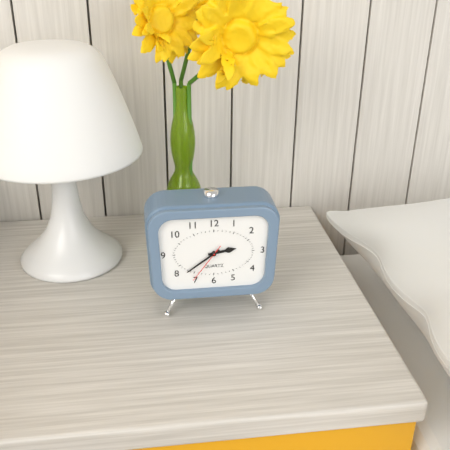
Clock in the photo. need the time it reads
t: 2:39
